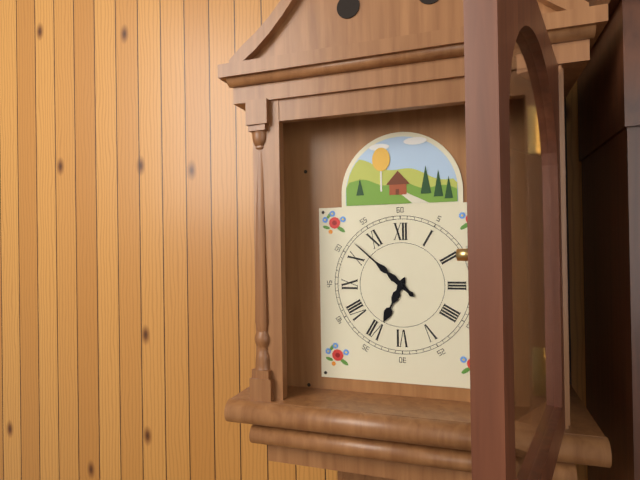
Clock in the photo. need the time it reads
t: 6:52
